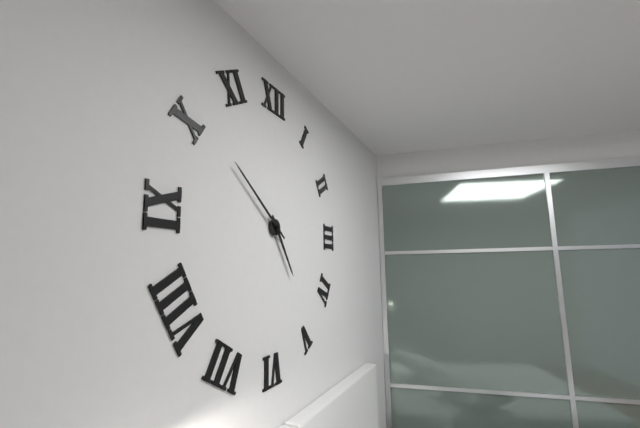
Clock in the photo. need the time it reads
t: 4:51
